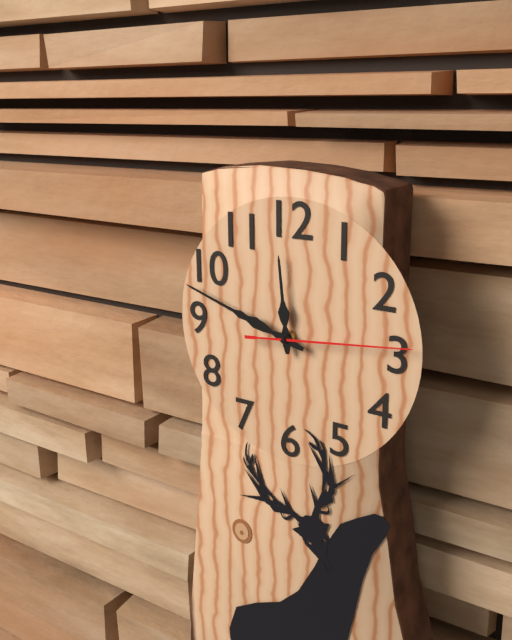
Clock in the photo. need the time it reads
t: 11:48:14
